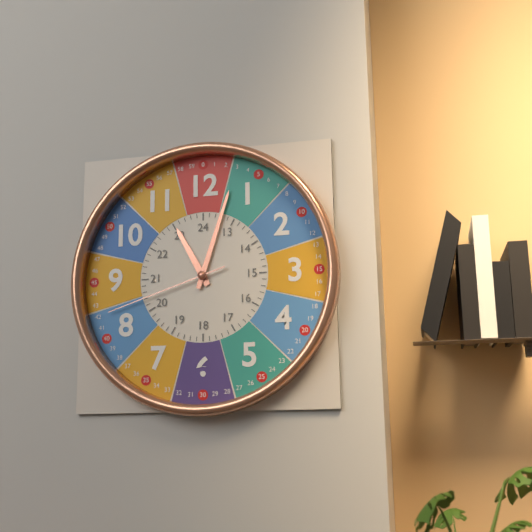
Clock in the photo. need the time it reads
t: 11:03:42
